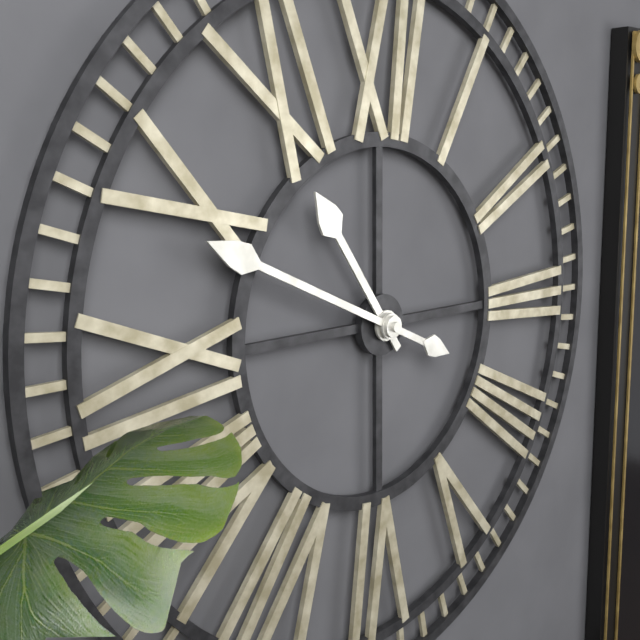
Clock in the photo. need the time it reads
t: 10:49
